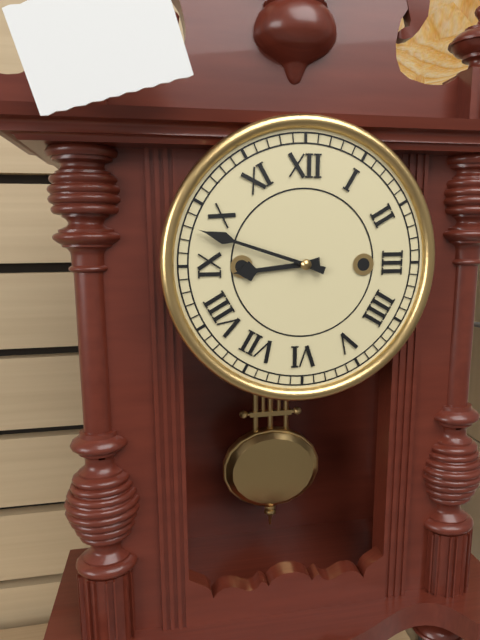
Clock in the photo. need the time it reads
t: 8:48
